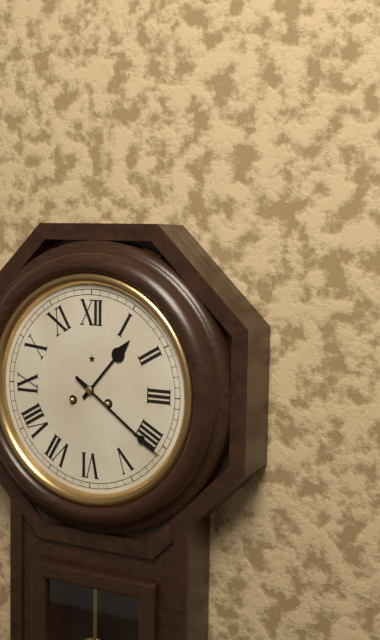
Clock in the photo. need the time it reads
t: 1:21
